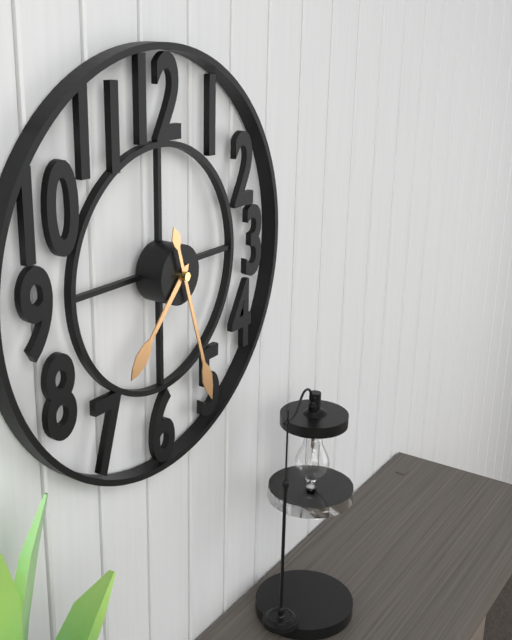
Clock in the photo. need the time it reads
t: 7:27
